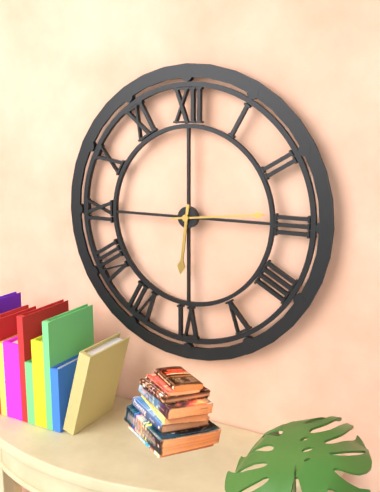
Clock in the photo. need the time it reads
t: 6:14
